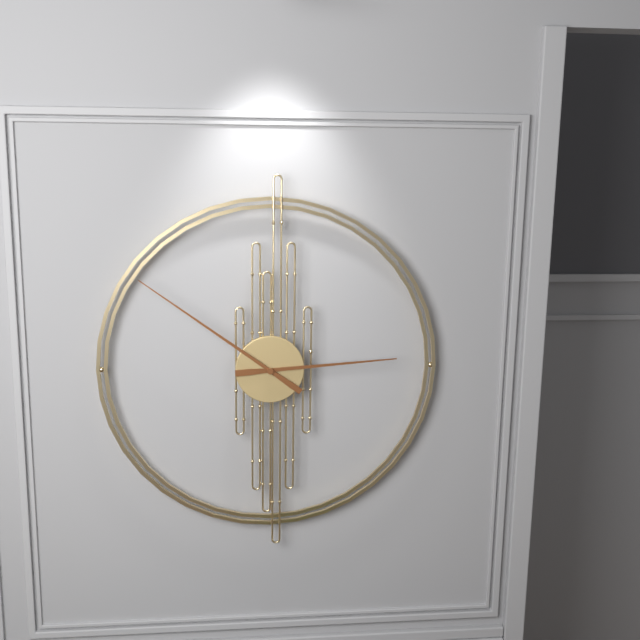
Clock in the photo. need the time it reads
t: 2:51
